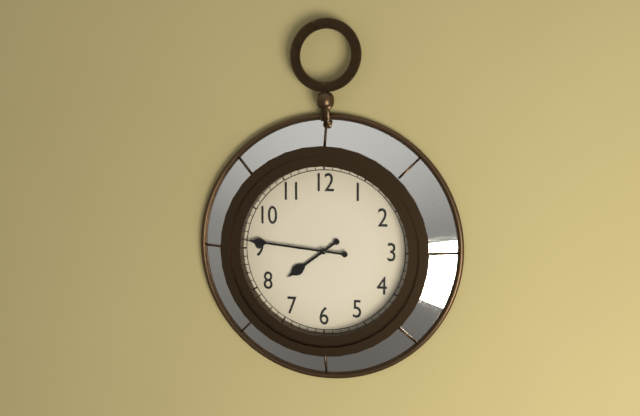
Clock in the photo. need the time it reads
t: 7:46
